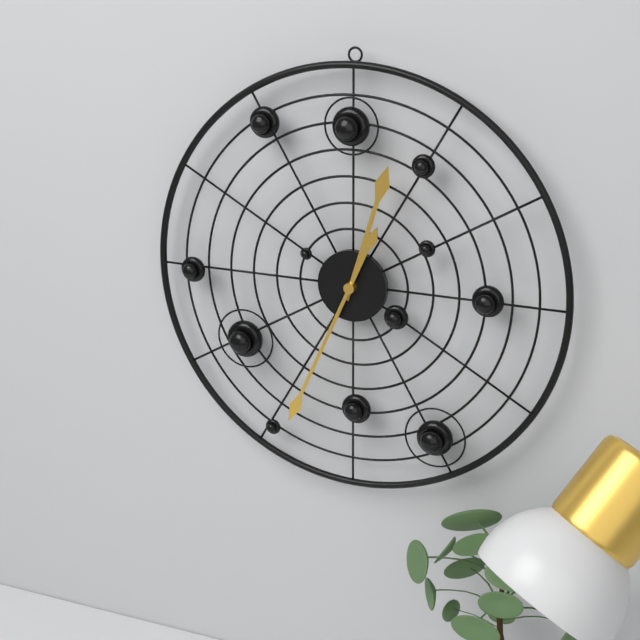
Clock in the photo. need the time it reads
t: 12:34
